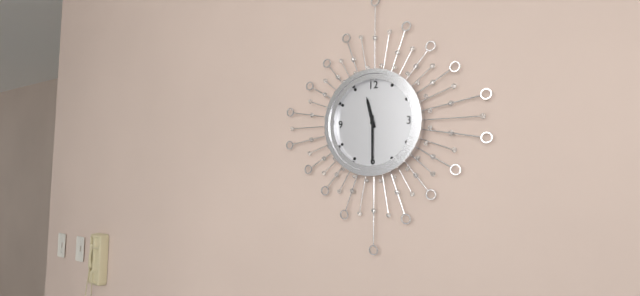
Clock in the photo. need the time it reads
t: 11:30
